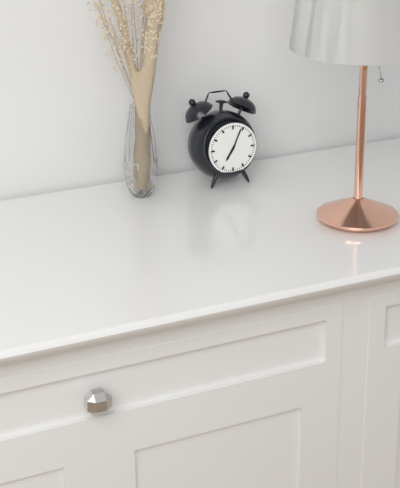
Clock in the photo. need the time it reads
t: 7:04
